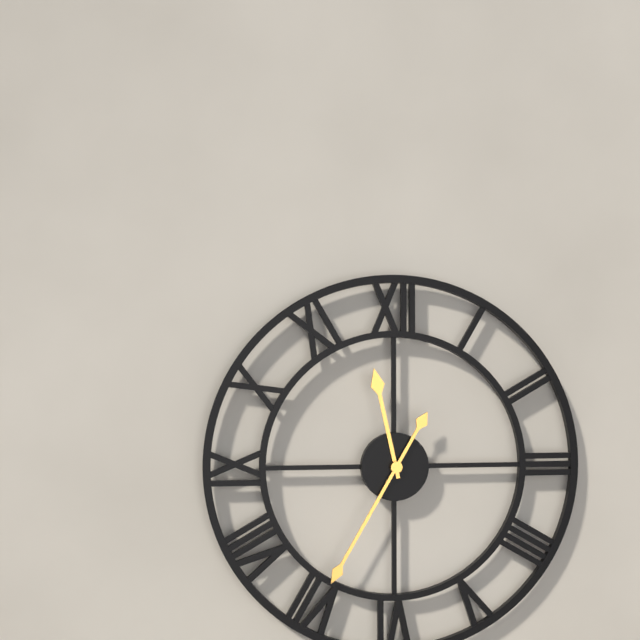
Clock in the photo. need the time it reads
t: 11:35
